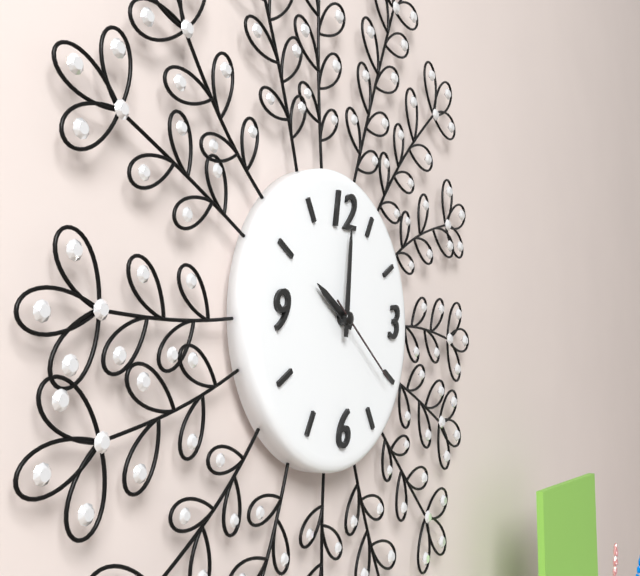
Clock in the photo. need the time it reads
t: 10:01:21
